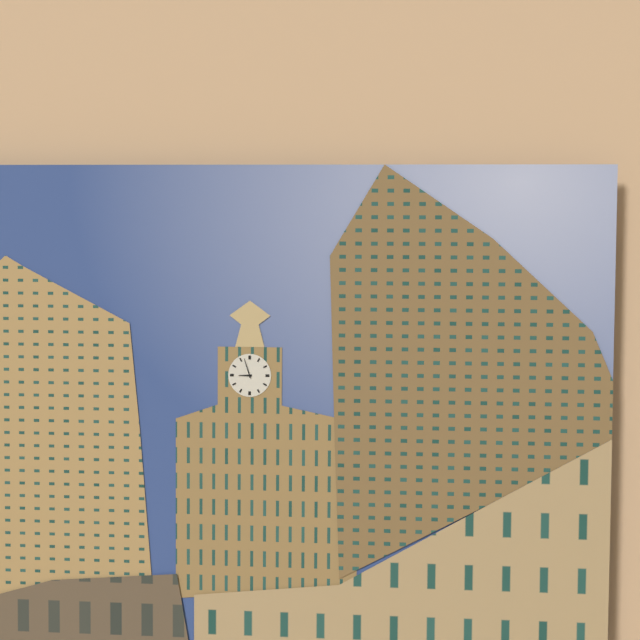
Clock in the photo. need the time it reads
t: 8:57
